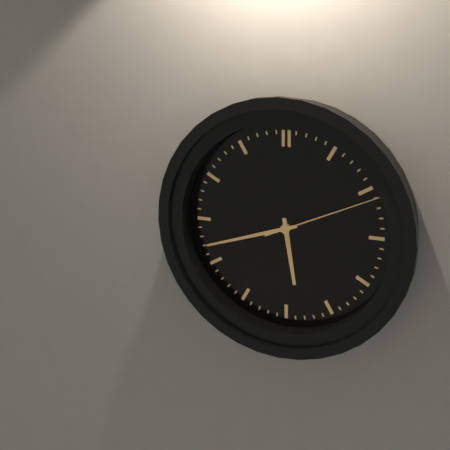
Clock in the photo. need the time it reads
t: 5:42:11
